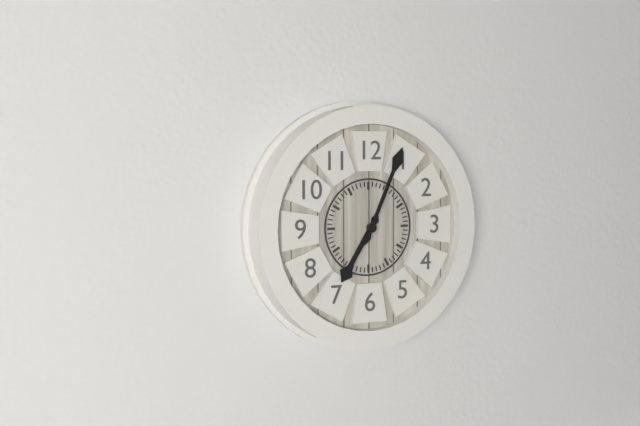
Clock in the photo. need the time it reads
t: 7:04
